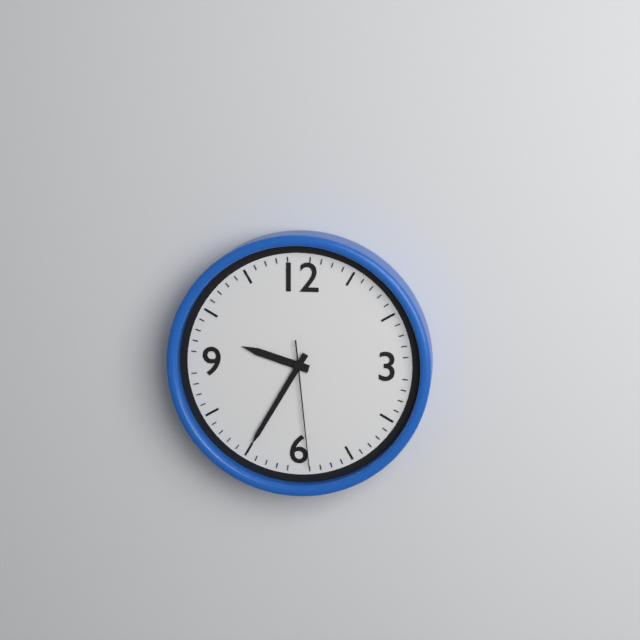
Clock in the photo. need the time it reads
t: 9:35:29
